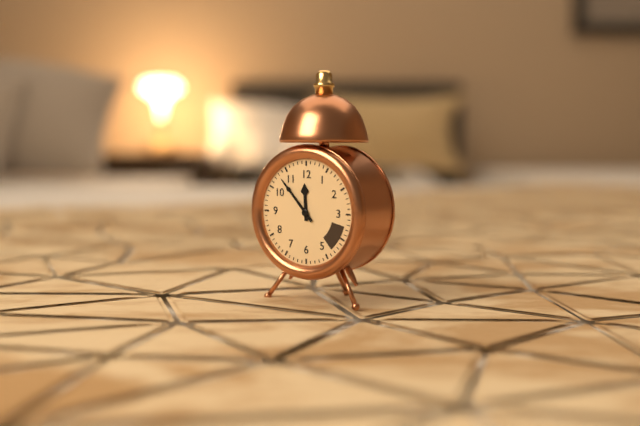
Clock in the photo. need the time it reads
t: 11:53
